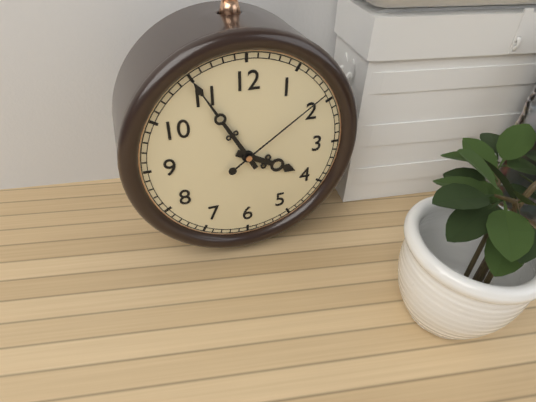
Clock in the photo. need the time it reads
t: 3:55:09
